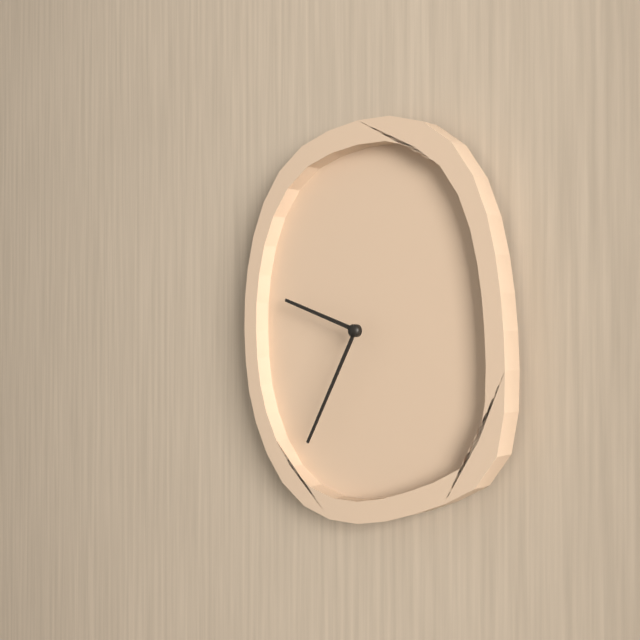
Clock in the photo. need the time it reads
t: 9:35
